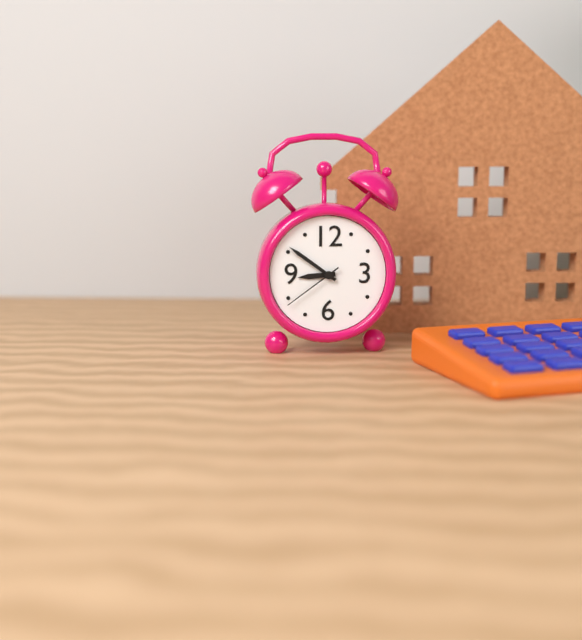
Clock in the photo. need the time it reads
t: 8:51:39
